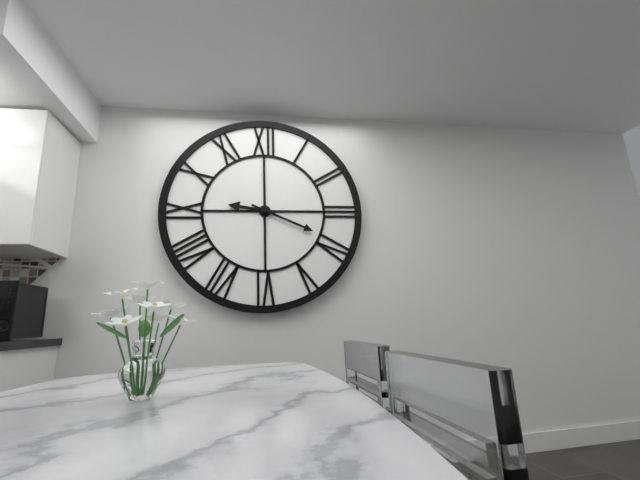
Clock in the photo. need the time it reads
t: 9:19
